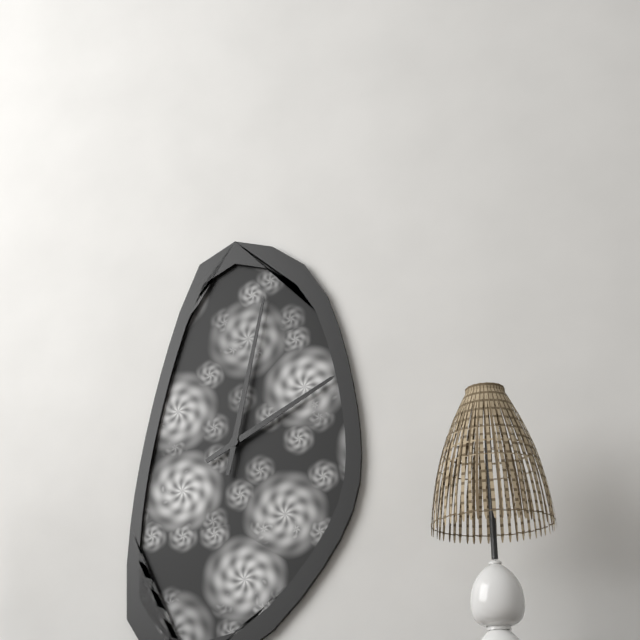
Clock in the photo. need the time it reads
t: 2:02
